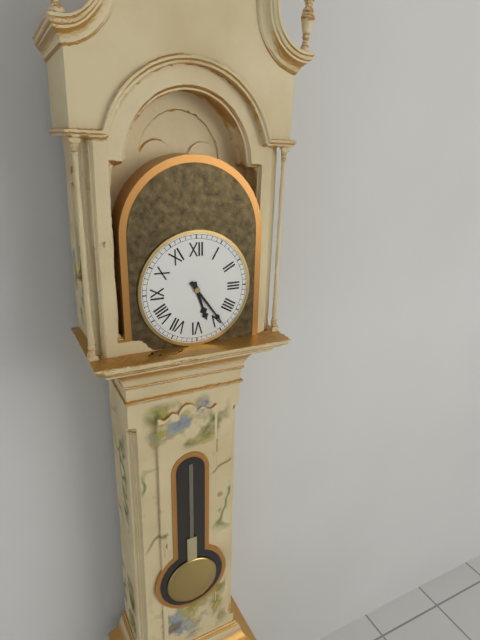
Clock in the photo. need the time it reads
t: 5:24
